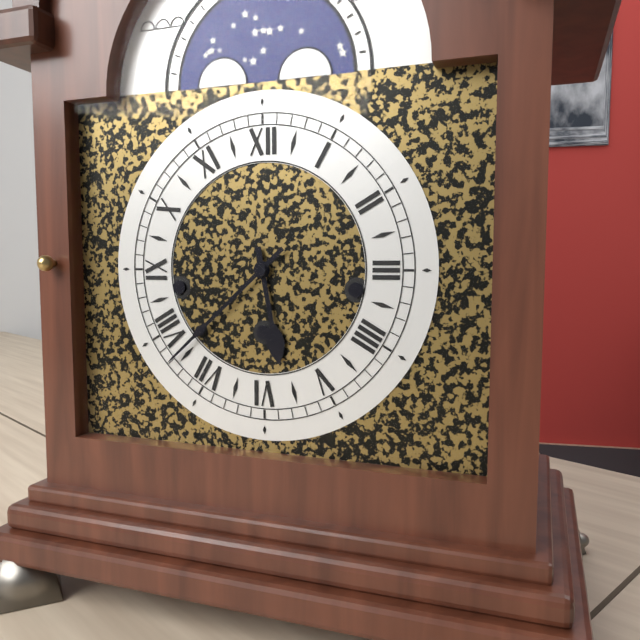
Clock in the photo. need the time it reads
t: 5:38
